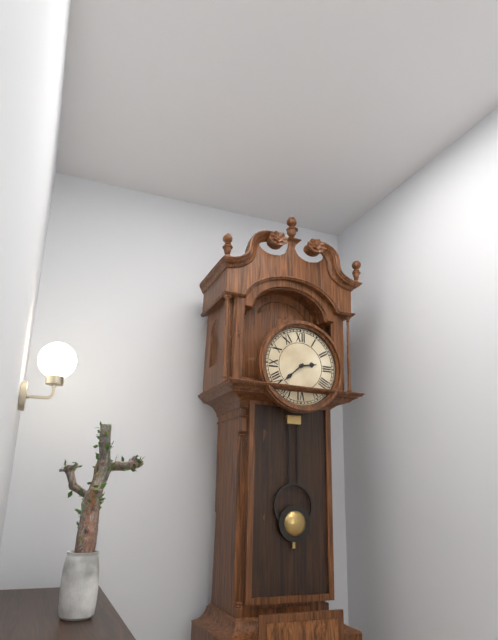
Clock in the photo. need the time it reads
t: 2:38
